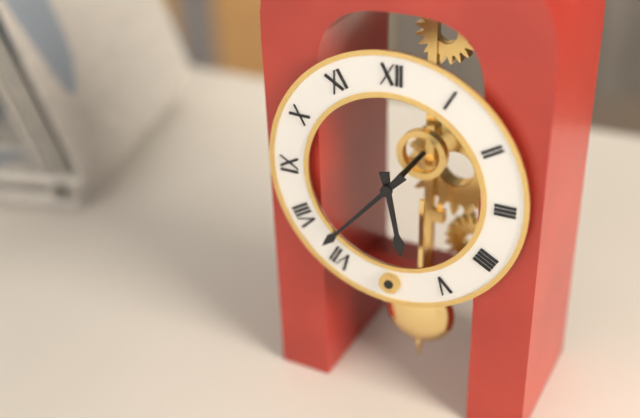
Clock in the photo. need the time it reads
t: 5:37
